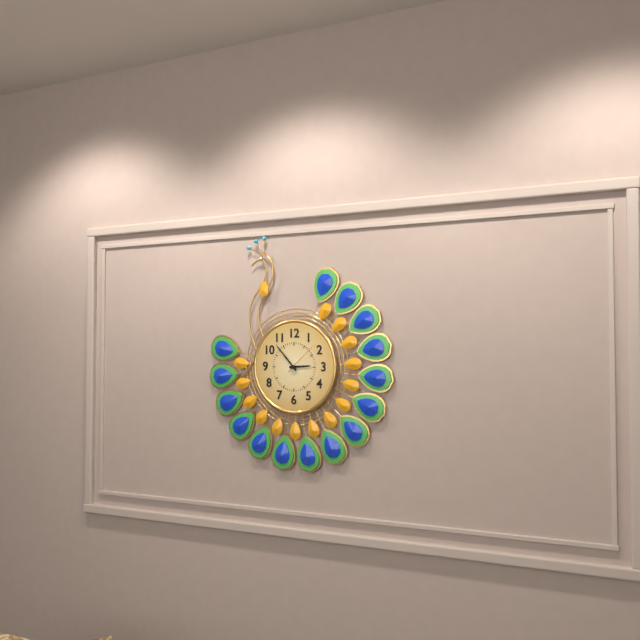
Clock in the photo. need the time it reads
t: 2:53
